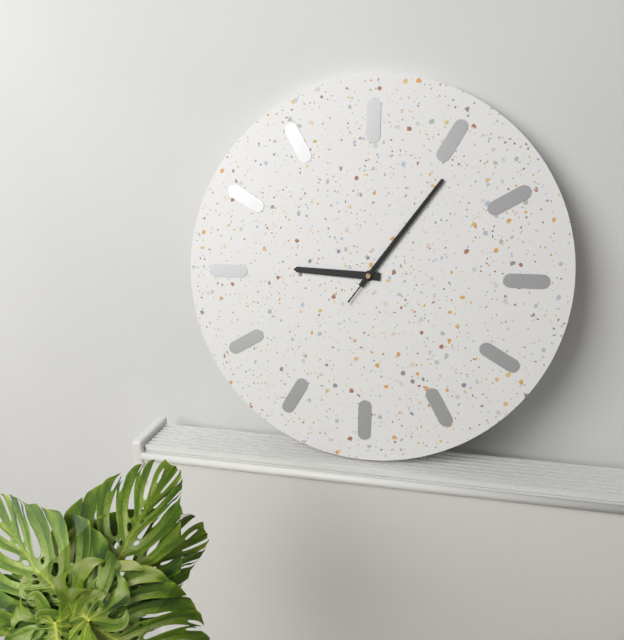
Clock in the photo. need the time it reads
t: 9:06:06
